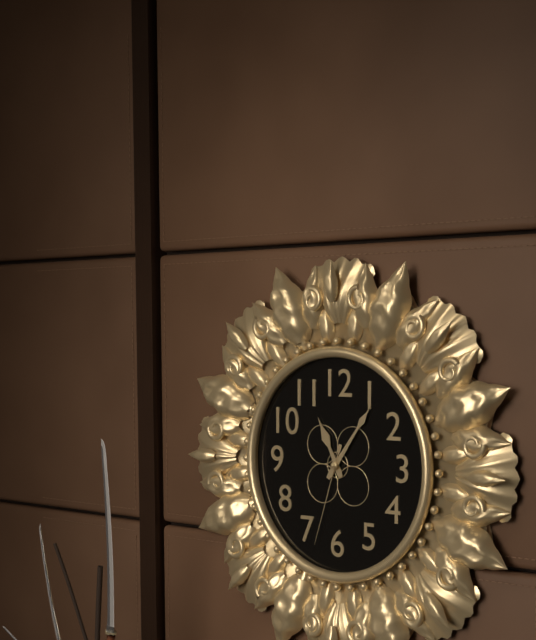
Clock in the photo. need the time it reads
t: 11:06:33
